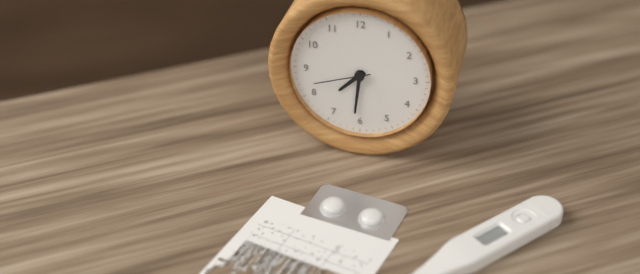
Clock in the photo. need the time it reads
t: 7:31:42
